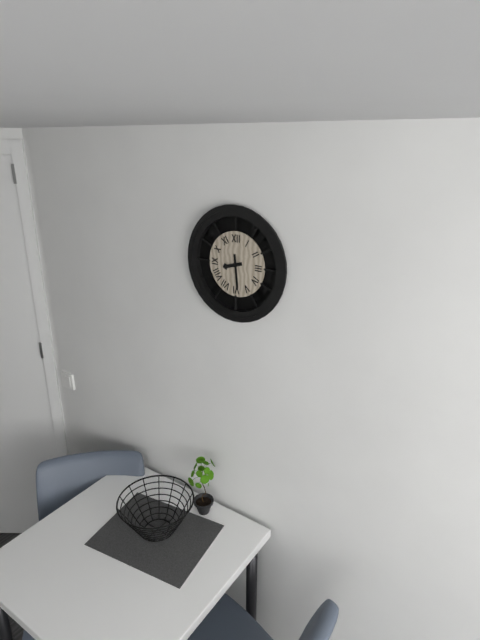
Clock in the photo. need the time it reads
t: 8:29
